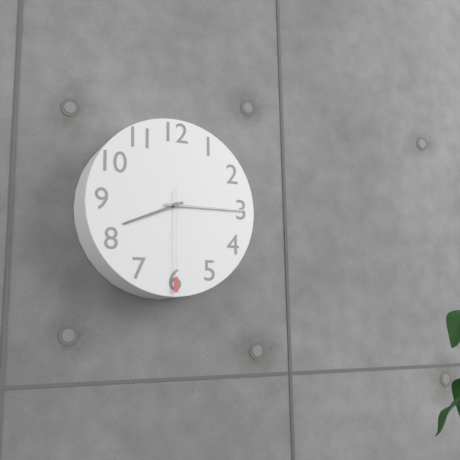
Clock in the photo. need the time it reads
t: 8:15:30
